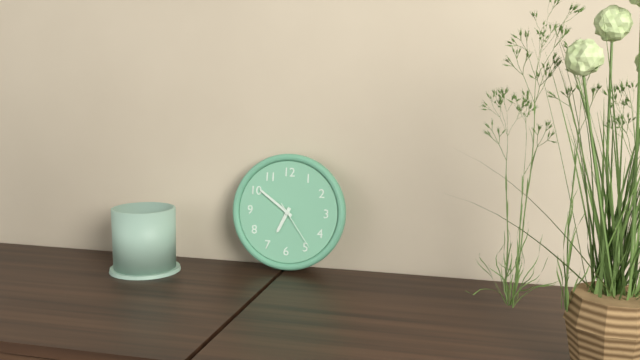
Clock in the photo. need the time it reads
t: 6:51
